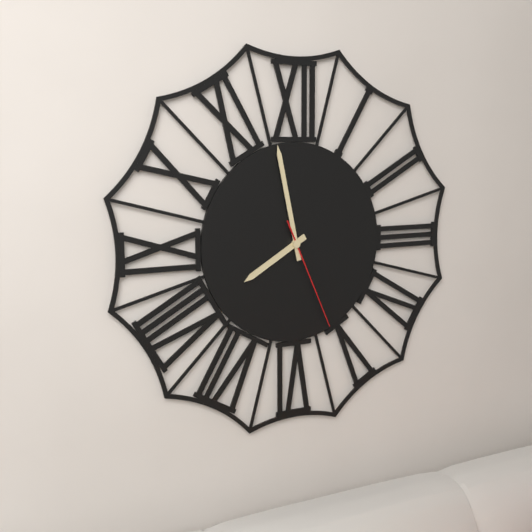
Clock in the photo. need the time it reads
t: 7:58:26
